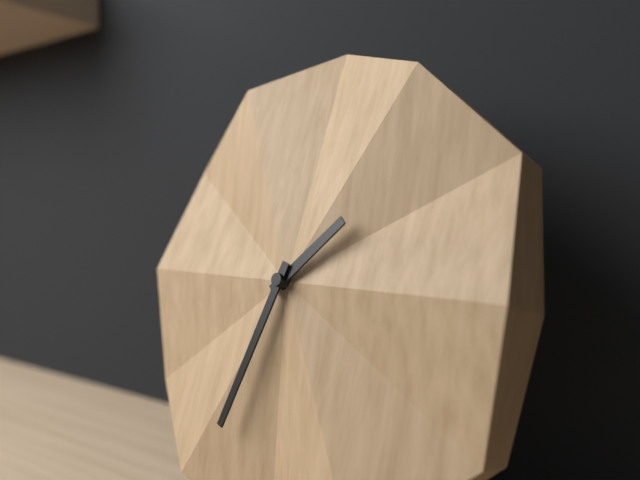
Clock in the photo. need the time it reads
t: 1:33
